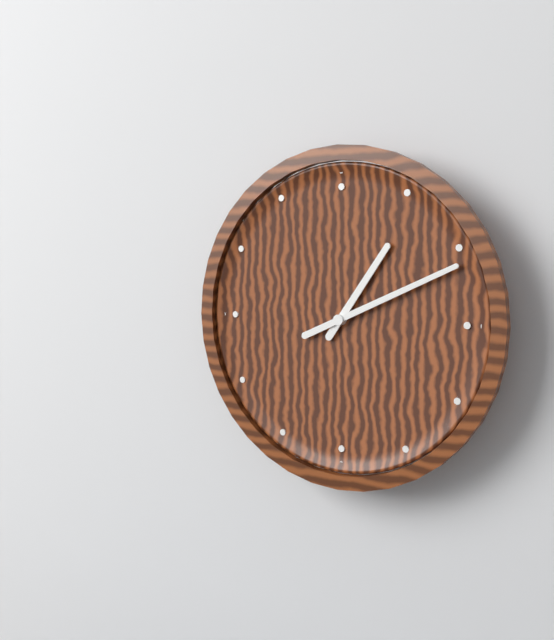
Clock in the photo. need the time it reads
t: 1:11
